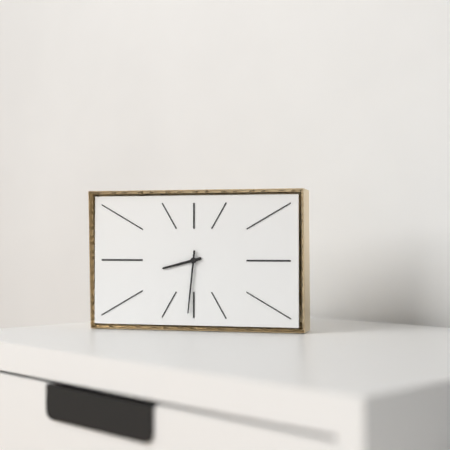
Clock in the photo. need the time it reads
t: 8:31
